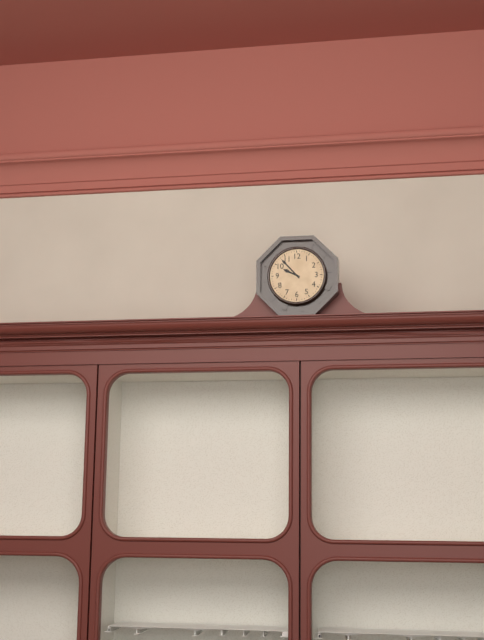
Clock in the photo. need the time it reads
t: 9:53
